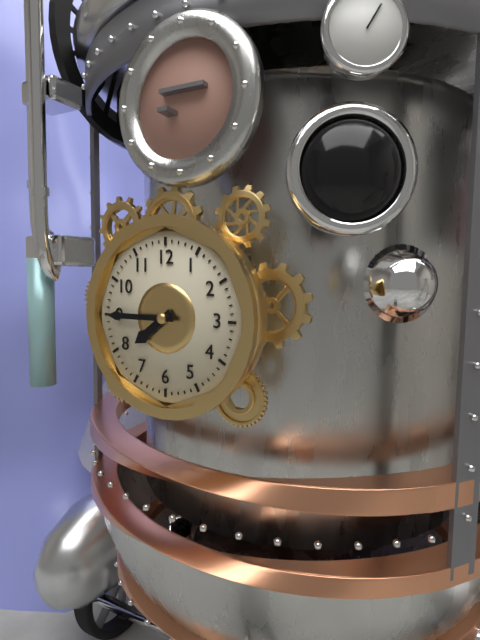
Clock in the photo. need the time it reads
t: 7:45
